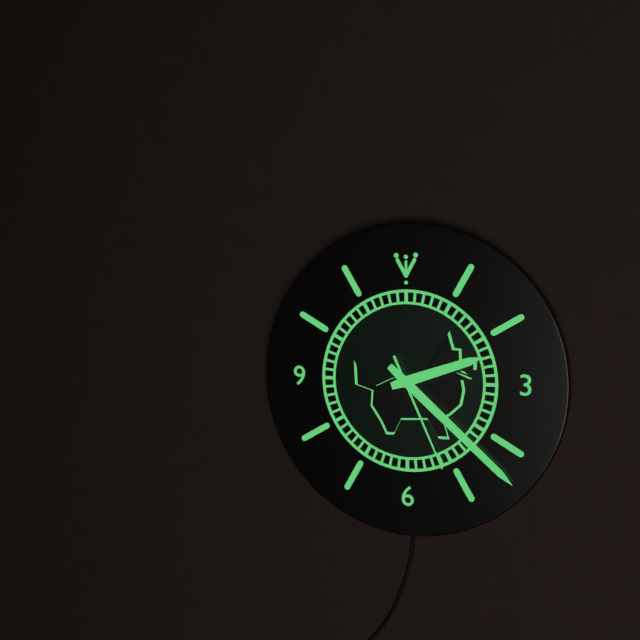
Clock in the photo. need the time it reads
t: 2:22:26
